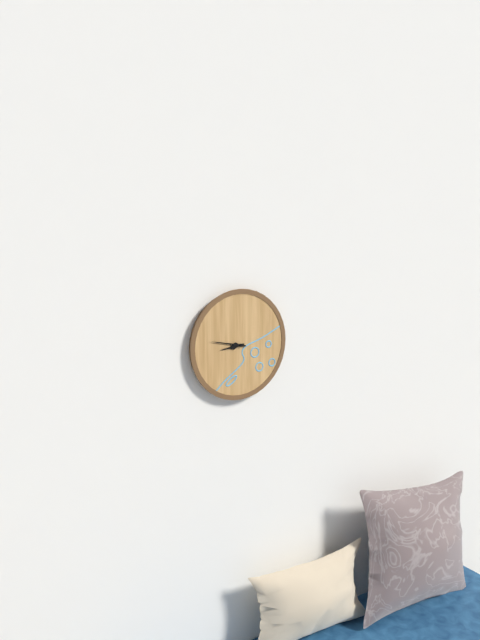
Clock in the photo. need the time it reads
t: 8:47
